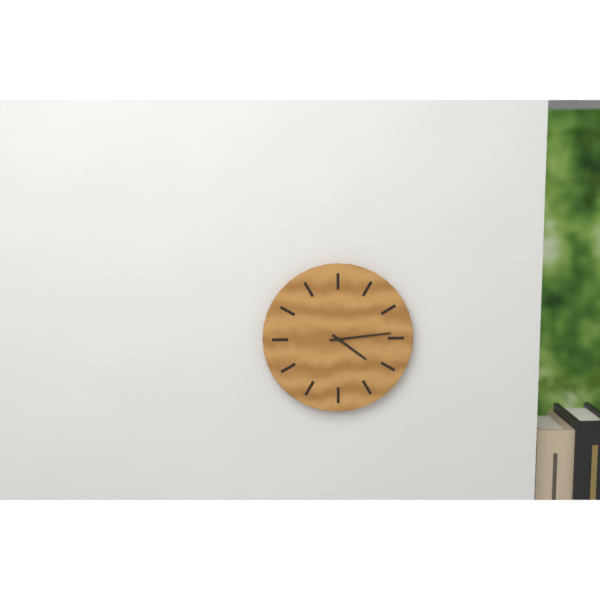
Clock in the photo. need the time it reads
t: 4:14
